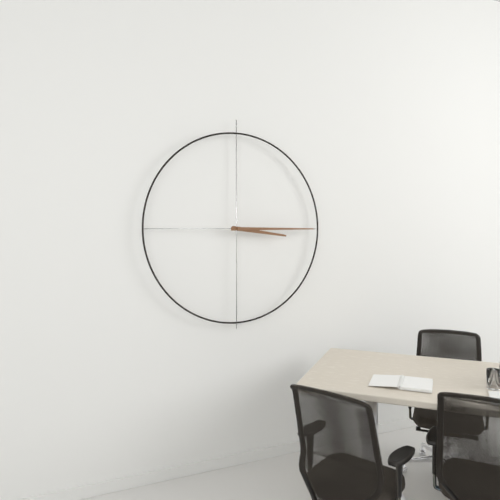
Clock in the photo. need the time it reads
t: 3:15
